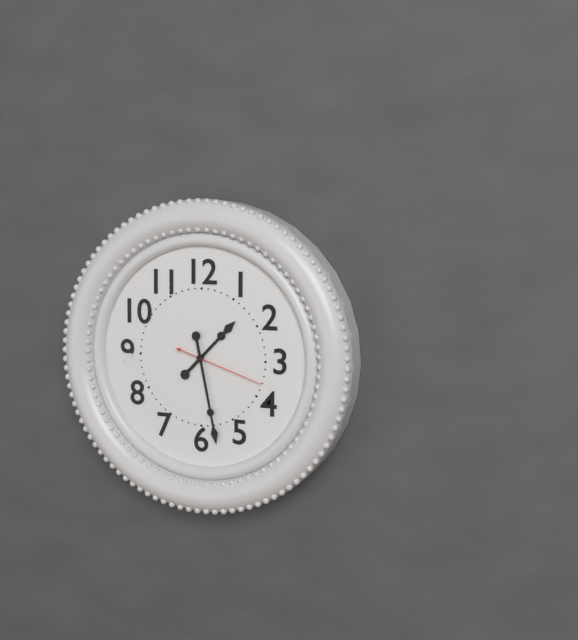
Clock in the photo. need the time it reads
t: 1:28:18
